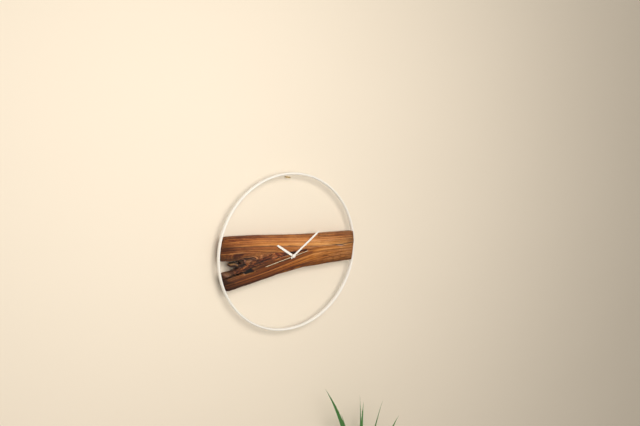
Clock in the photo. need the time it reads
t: 10:09
